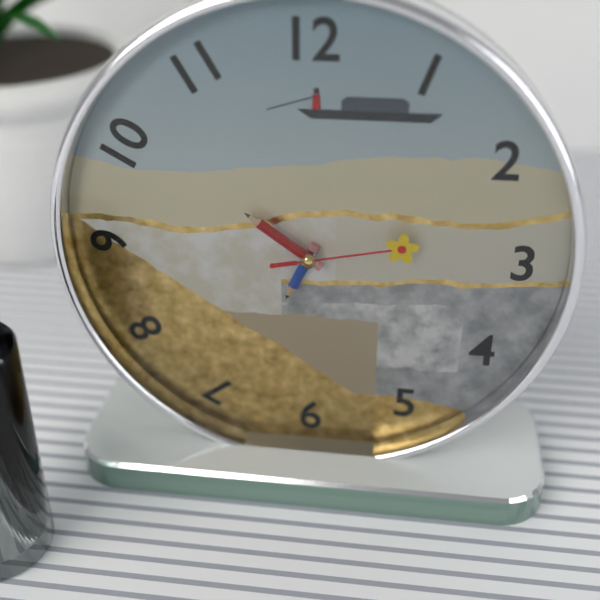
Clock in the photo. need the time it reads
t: 6:51:13
